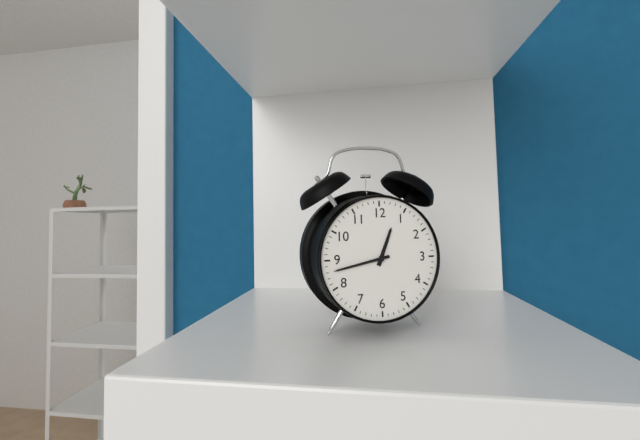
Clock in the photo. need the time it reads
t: 12:43
